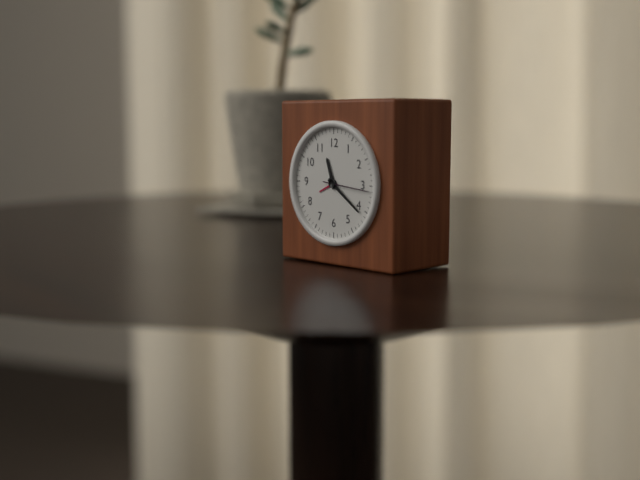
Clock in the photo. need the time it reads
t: 11:21
